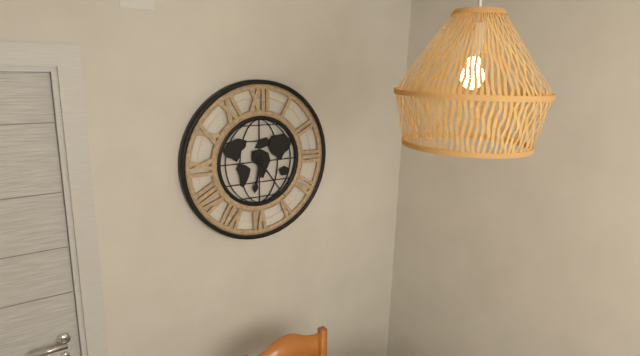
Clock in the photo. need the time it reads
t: 6:24
